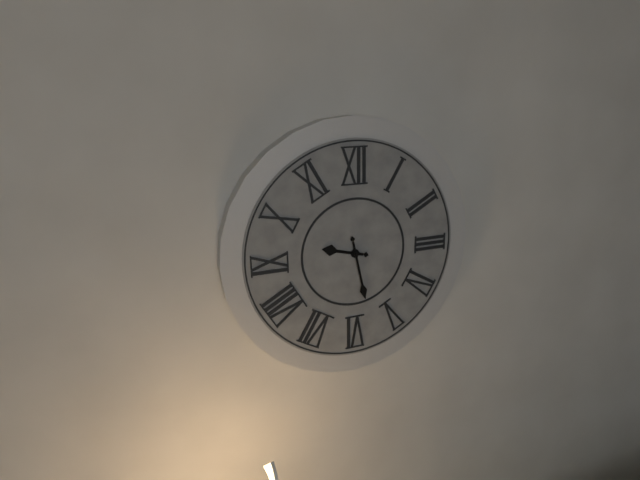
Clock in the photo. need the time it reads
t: 9:28
